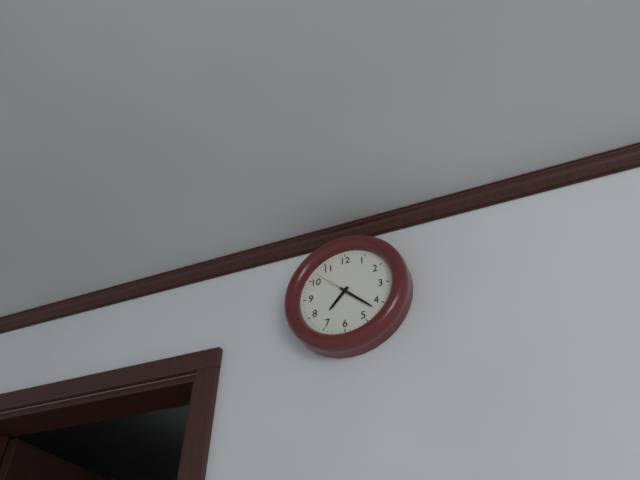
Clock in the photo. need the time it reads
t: 7:22
